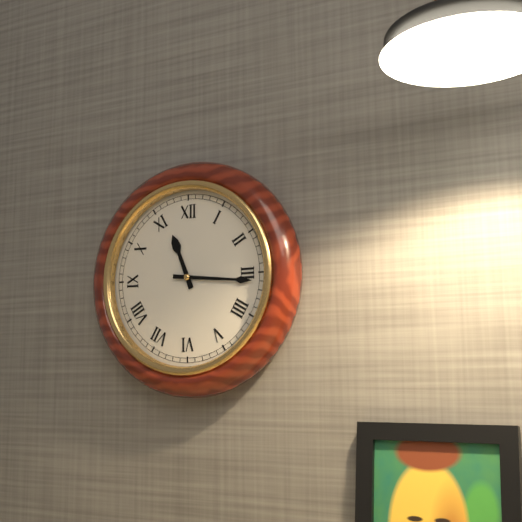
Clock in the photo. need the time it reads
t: 11:16
